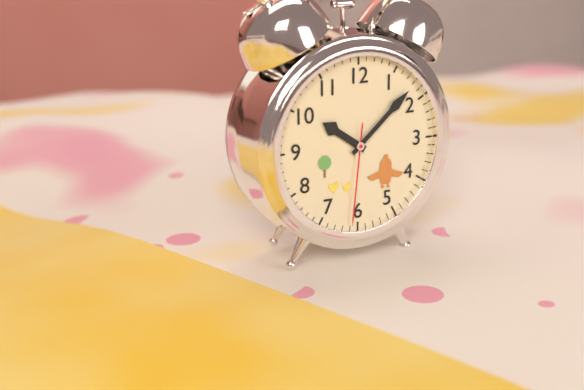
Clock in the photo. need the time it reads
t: 10:08:31
